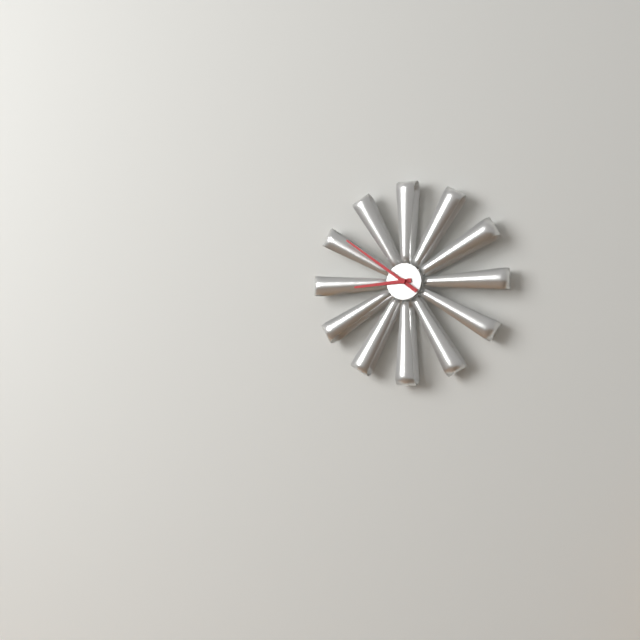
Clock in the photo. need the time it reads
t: 8:51
